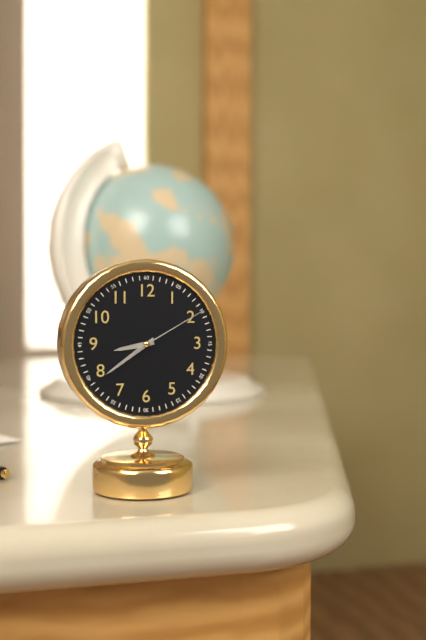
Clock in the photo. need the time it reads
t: 8:39:10
